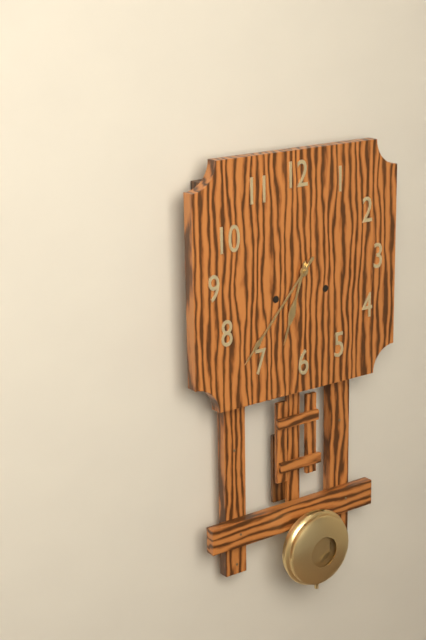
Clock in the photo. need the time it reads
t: 6:37
